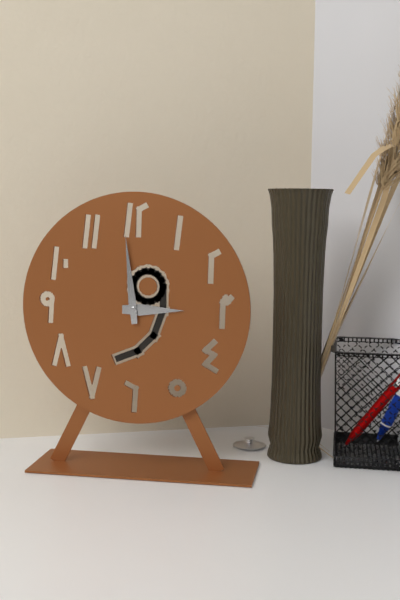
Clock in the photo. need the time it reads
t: 2:59
